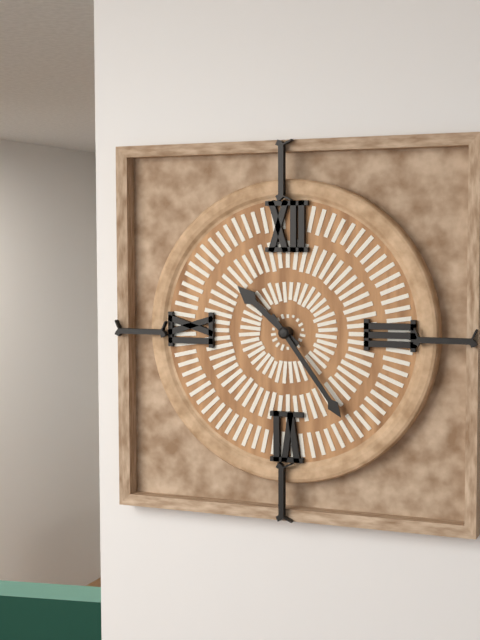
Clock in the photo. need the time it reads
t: 10:24
